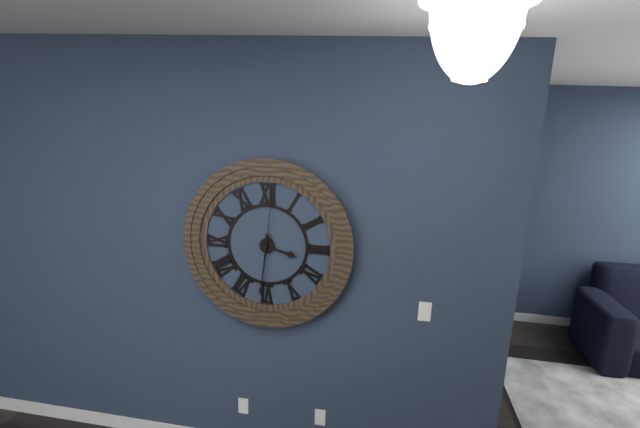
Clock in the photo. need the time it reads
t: 3:31:01
